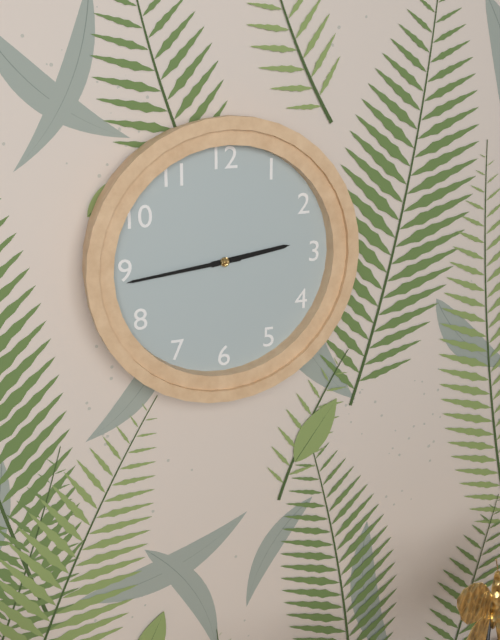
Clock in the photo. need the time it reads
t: 2:44
